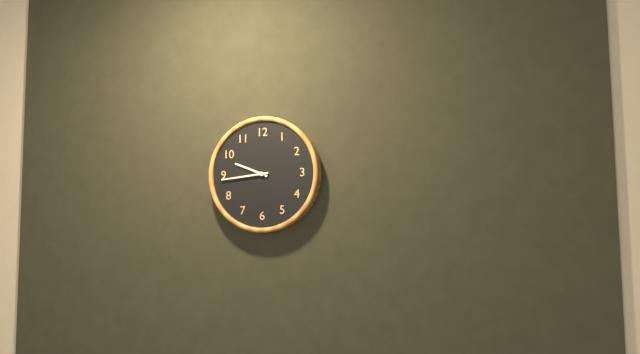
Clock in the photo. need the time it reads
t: 9:44
